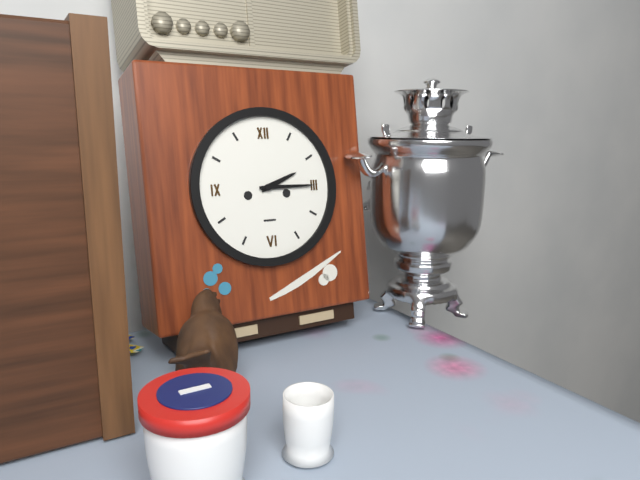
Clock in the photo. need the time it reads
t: 2:15
